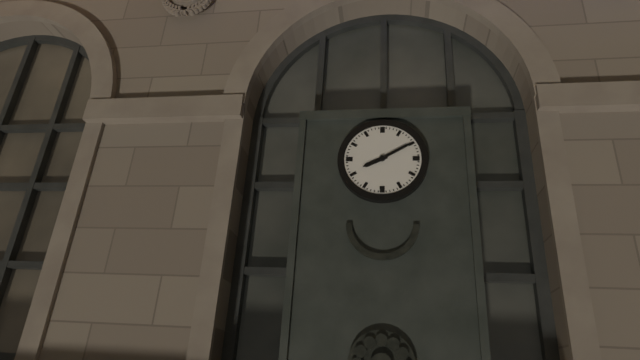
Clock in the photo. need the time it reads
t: 8:10
